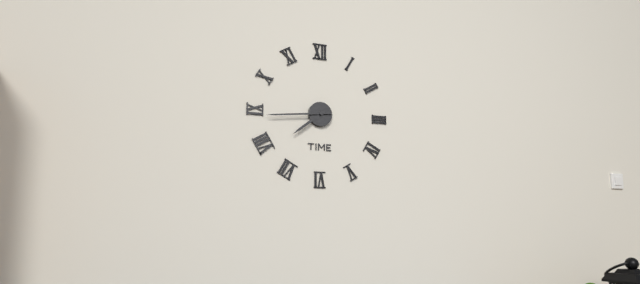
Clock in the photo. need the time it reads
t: 7:44
